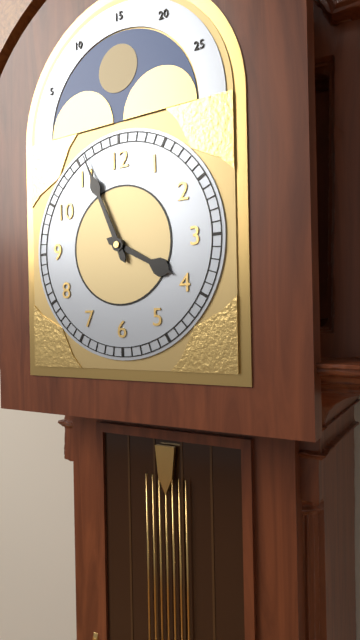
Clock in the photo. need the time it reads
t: 3:56
